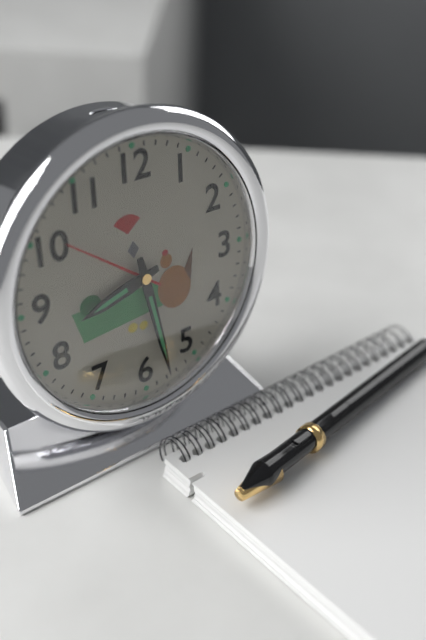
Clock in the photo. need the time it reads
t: 8:28
